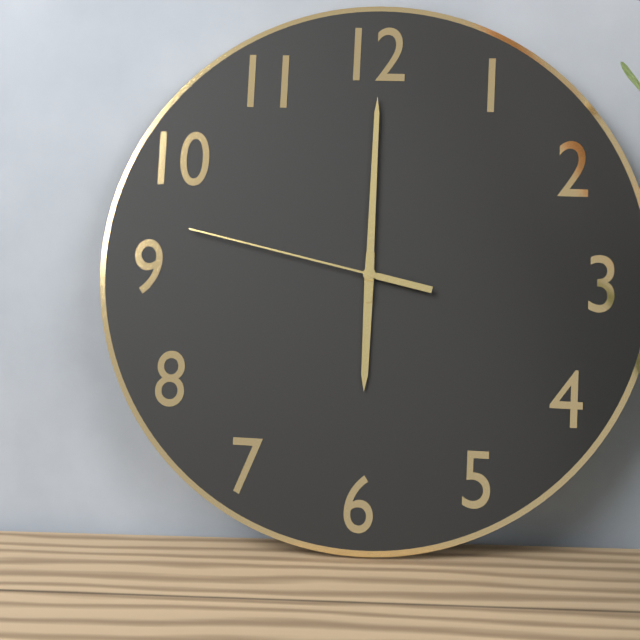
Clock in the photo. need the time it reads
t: 6:00:47
